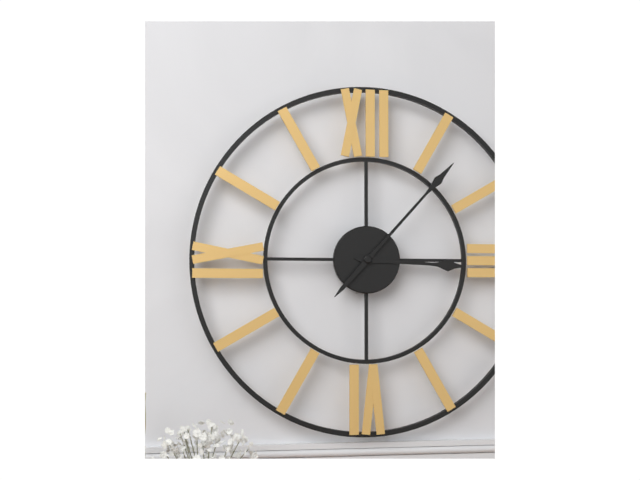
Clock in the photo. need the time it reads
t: 3:07
